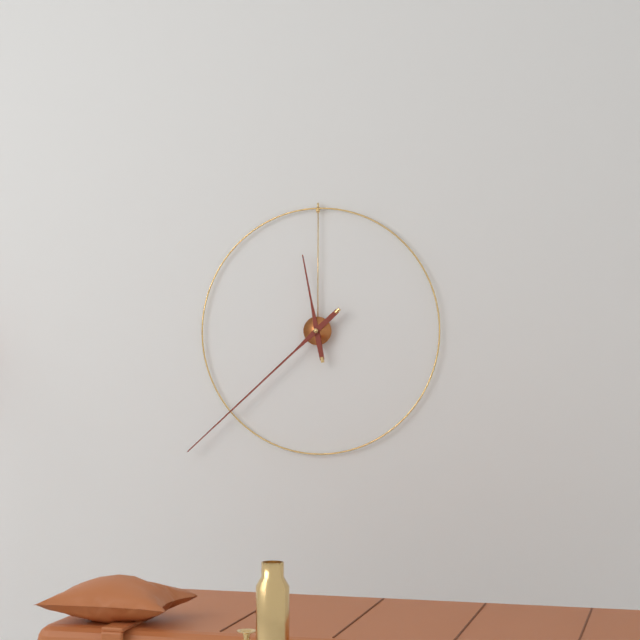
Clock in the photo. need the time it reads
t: 11:38
